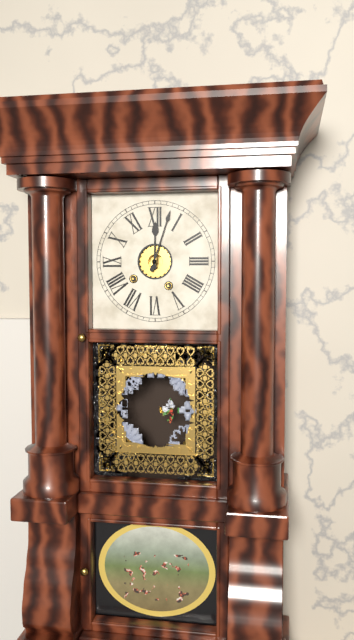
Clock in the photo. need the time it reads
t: 12:03
